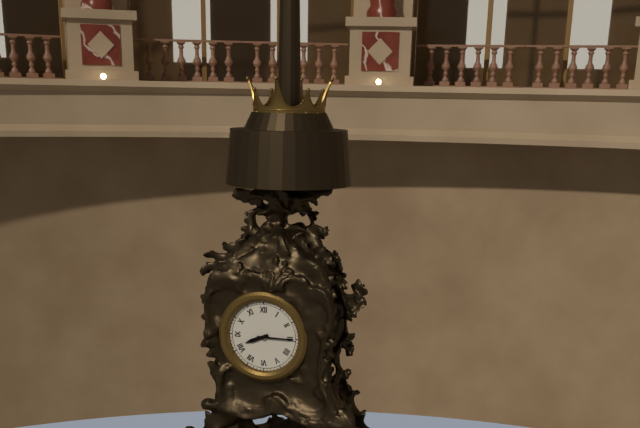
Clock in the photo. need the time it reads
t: 8:15
